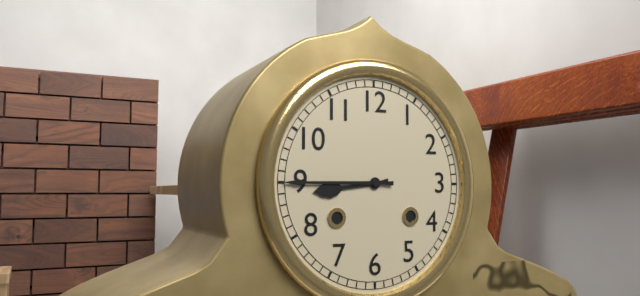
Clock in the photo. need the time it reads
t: 8:45
